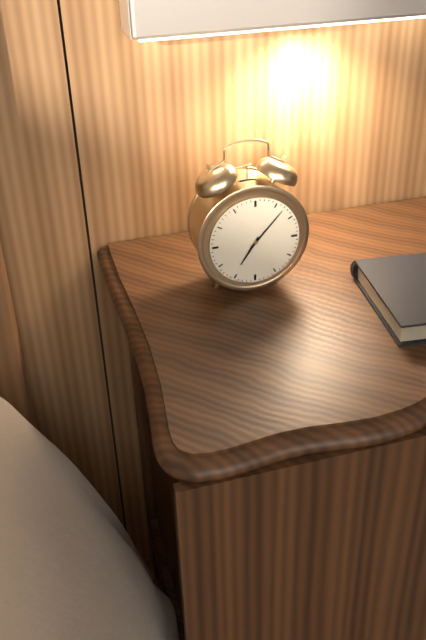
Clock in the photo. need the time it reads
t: 7:07
